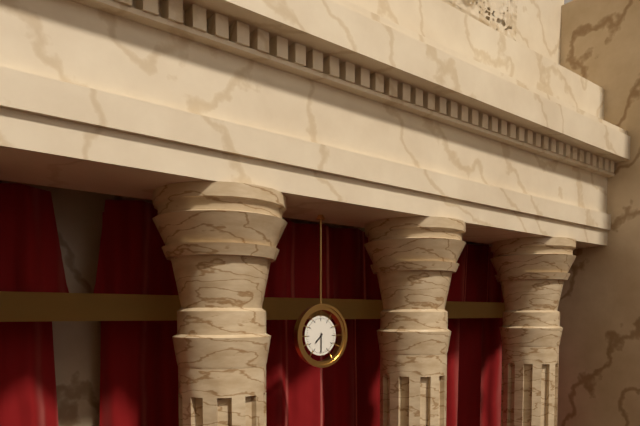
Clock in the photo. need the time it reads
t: 7:30
